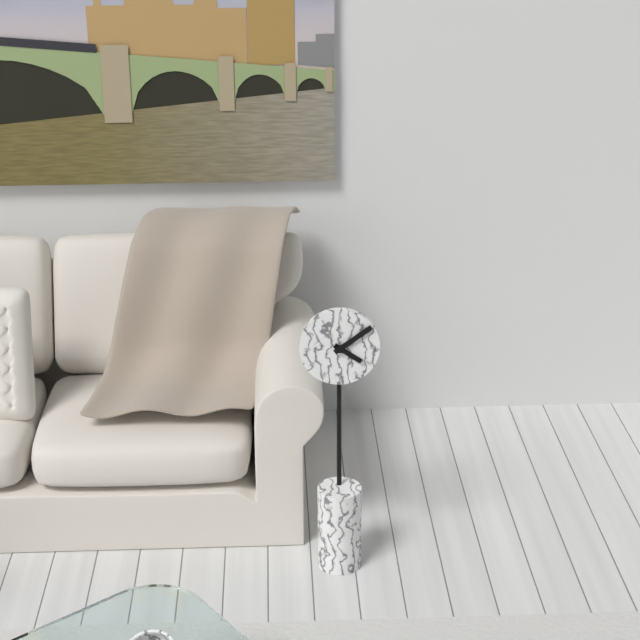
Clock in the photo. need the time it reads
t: 4:09
